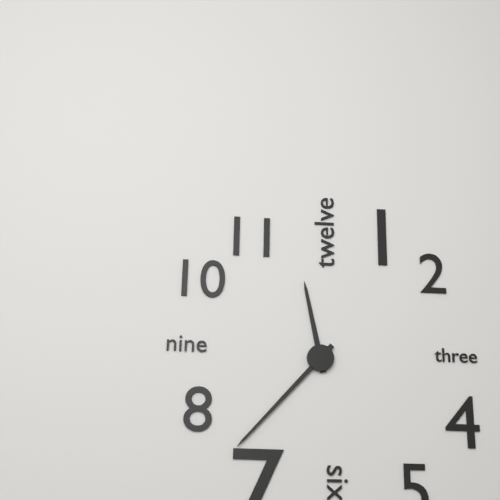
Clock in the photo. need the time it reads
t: 11:37
